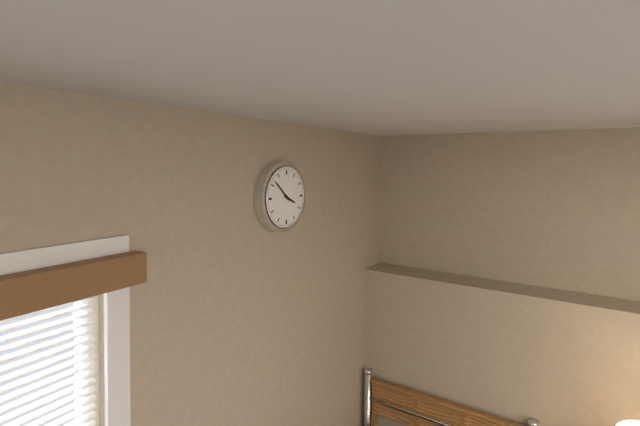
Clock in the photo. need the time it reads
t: 3:52
